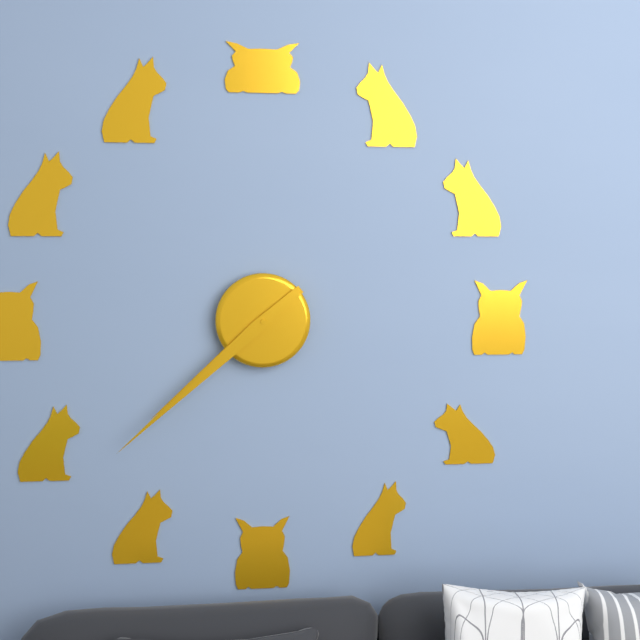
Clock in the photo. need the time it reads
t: 7:38
